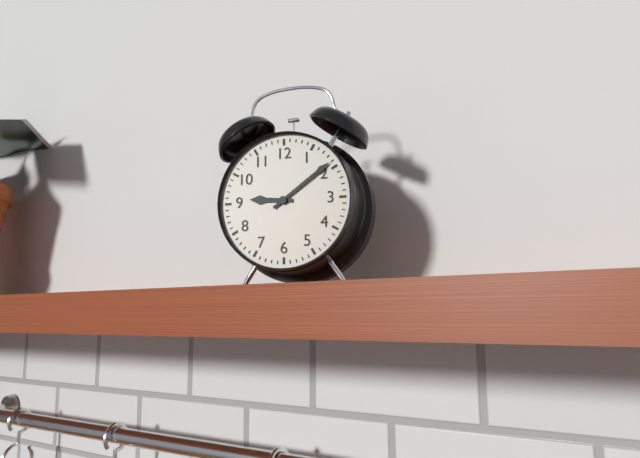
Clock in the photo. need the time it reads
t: 9:09
